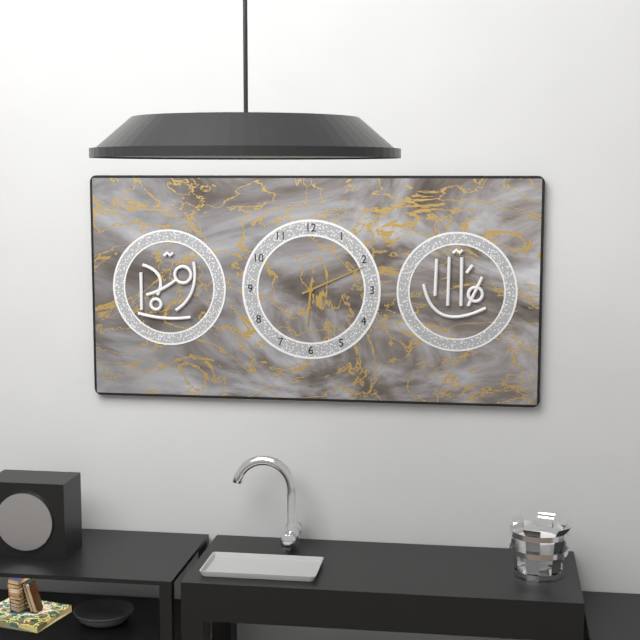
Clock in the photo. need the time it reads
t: 6:11
